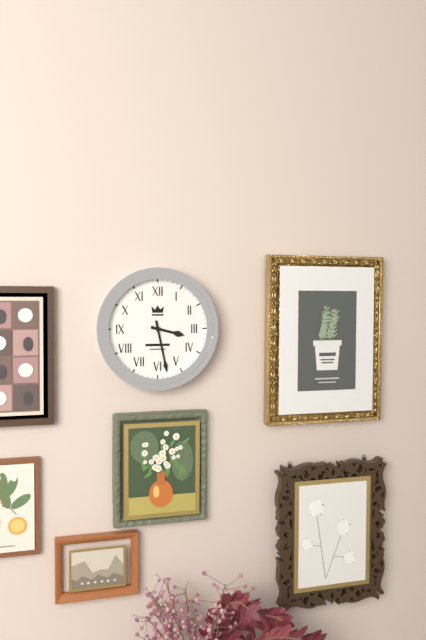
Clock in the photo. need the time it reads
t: 3:28
